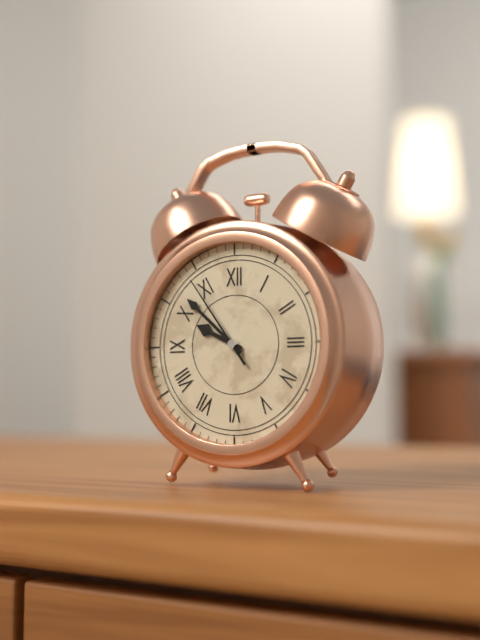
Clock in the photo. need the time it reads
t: 9:52:54
